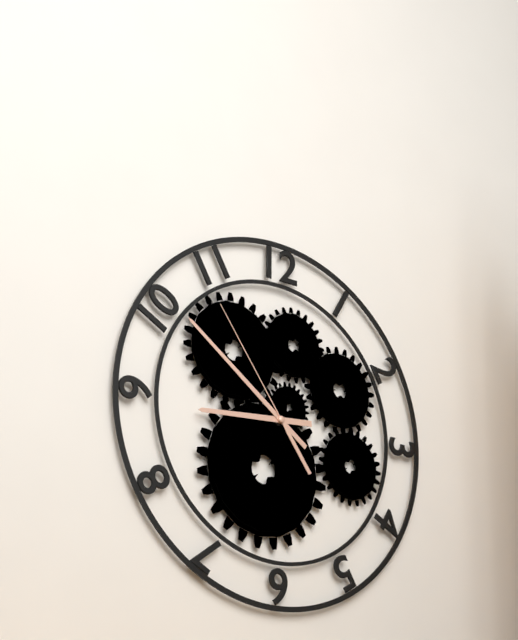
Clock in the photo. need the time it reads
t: 8:51:54
